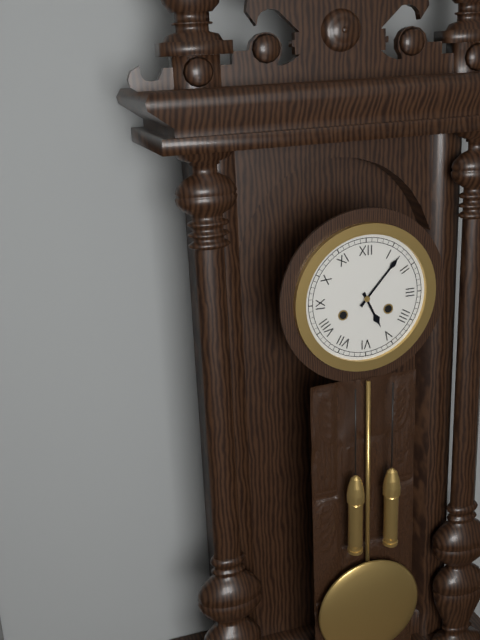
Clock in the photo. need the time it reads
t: 5:07
